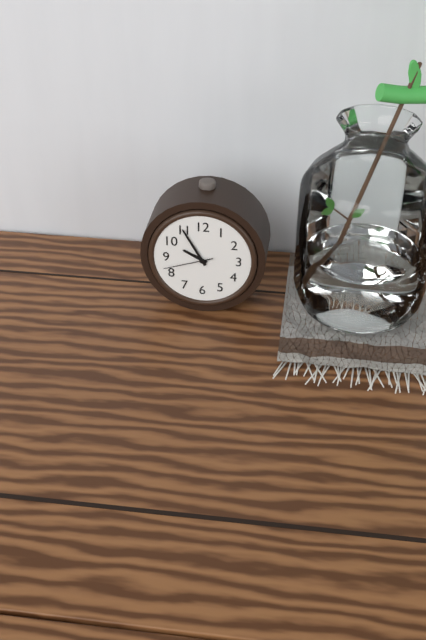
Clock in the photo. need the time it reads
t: 9:55
